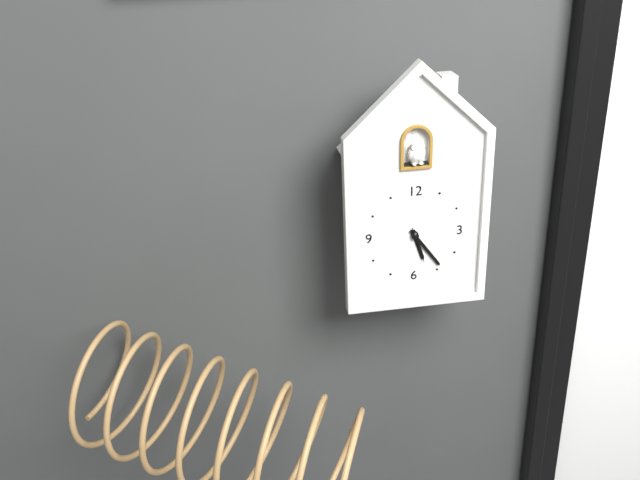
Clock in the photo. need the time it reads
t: 5:24:27
